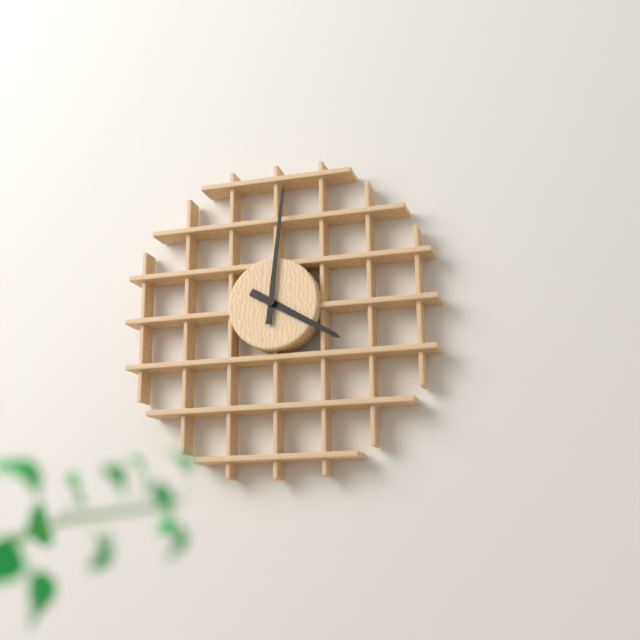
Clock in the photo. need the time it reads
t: 4:01
